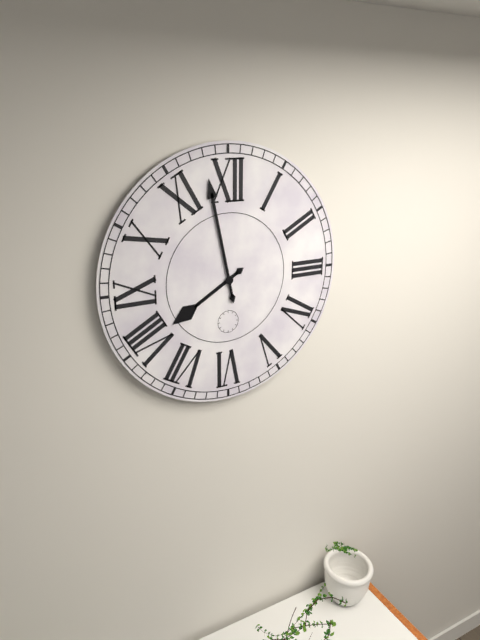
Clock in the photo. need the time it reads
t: 7:58
